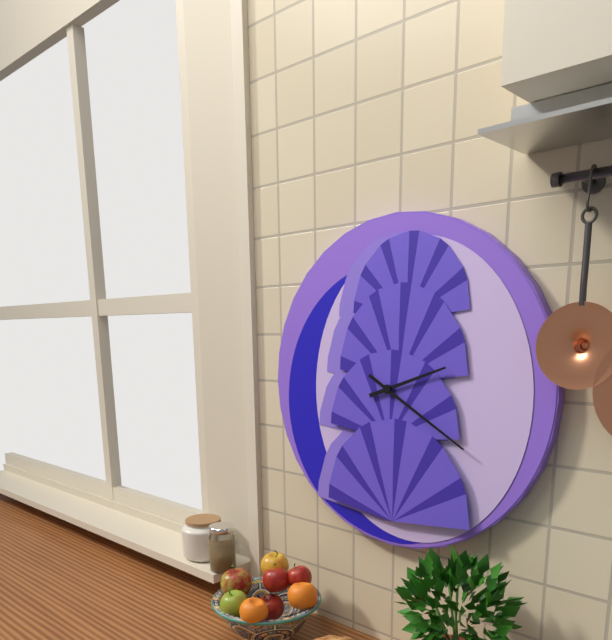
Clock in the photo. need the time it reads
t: 2:20
